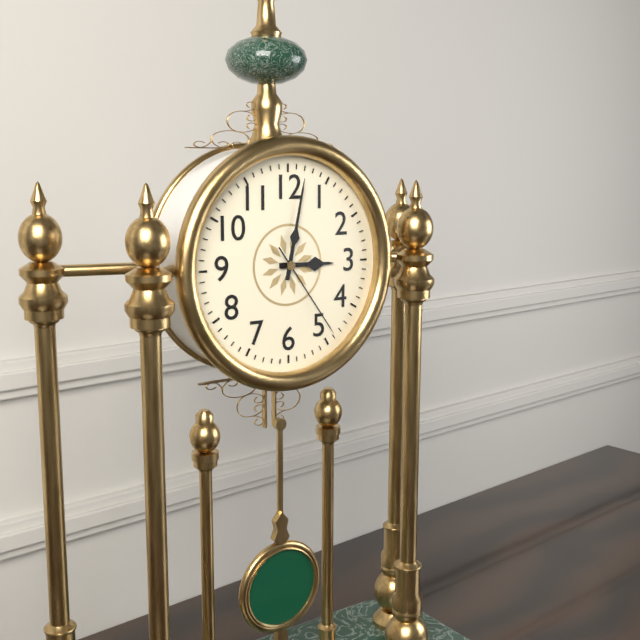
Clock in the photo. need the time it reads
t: 3:02:24
